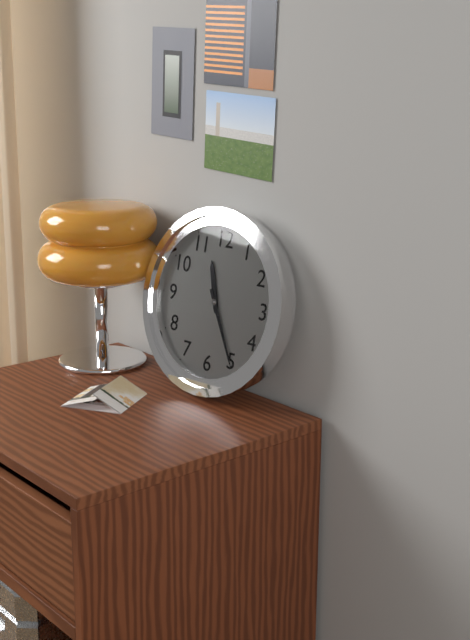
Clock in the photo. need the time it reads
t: 11:25
